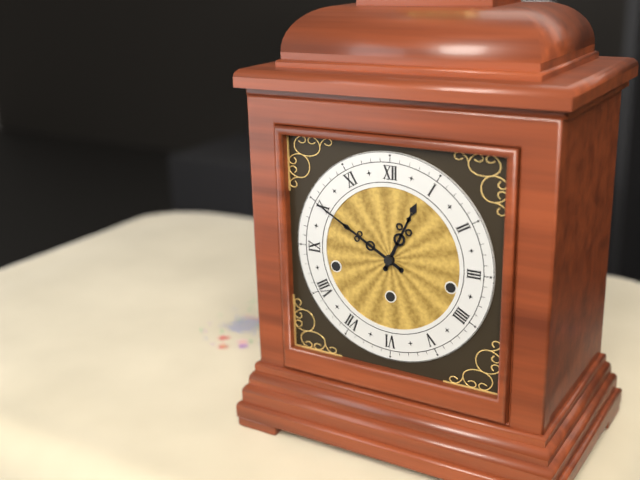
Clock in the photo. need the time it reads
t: 12:50
